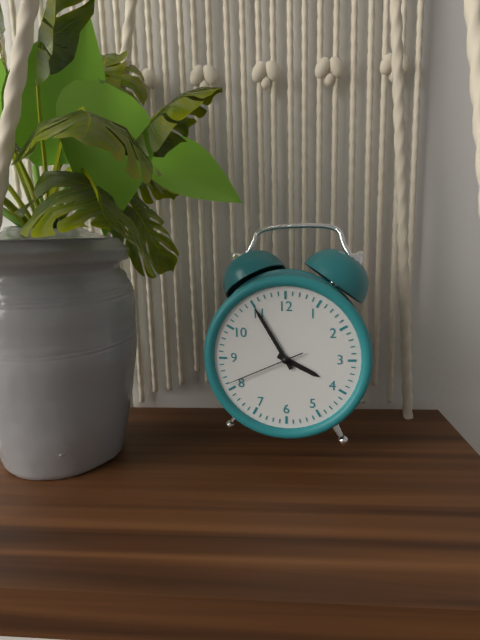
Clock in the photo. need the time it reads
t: 3:55:41
